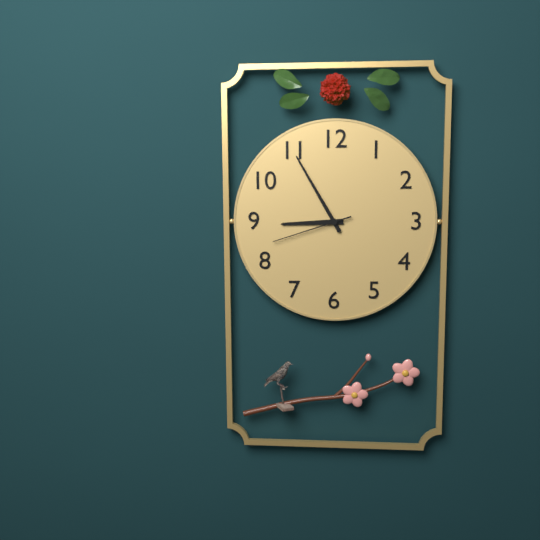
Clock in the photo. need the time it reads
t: 8:55:42
